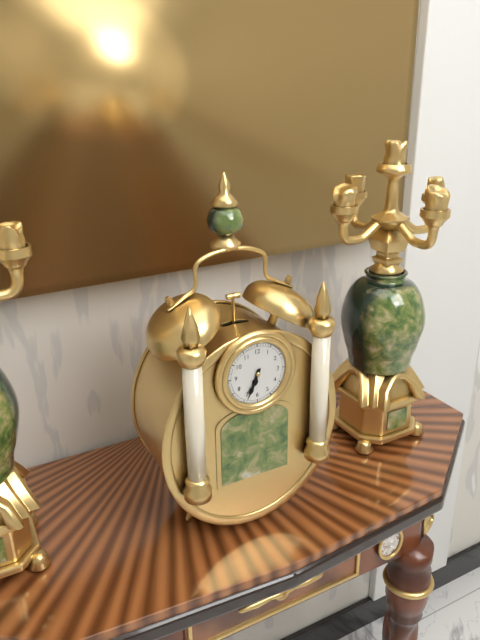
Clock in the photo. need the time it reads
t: 6:34
